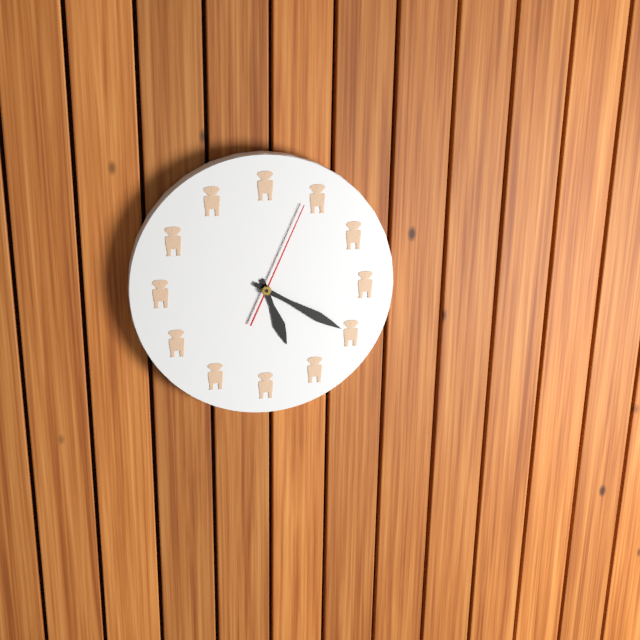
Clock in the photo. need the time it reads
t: 5:20:04
